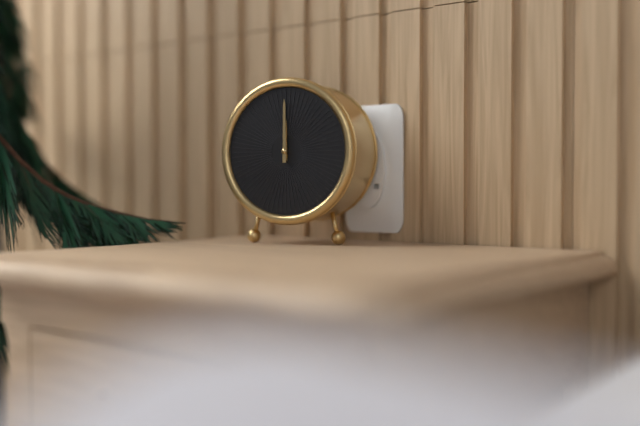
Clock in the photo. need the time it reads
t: 12:00
